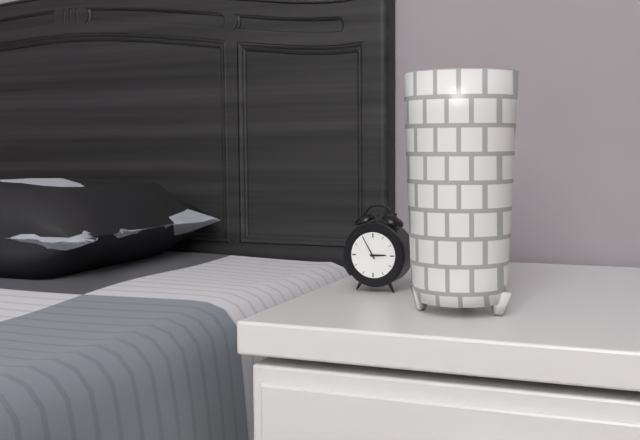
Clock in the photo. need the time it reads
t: 2:55
